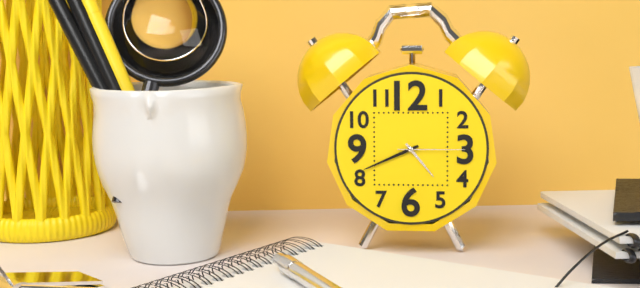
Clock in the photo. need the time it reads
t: 4:41:15
